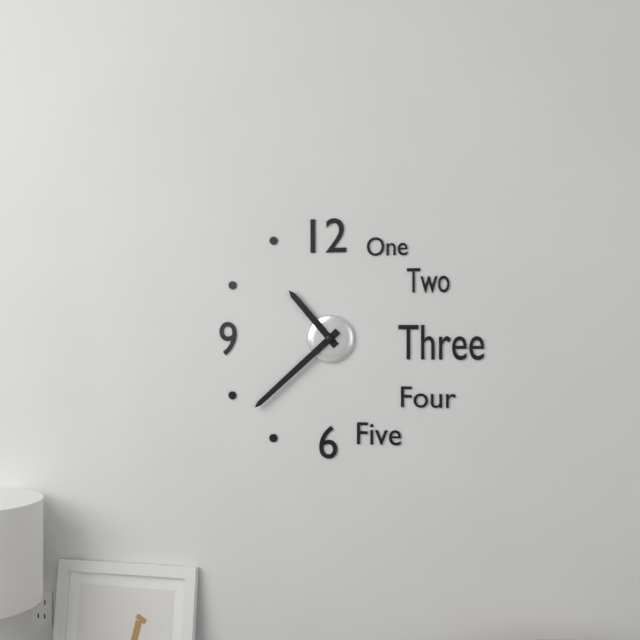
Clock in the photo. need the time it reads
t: 10:38
